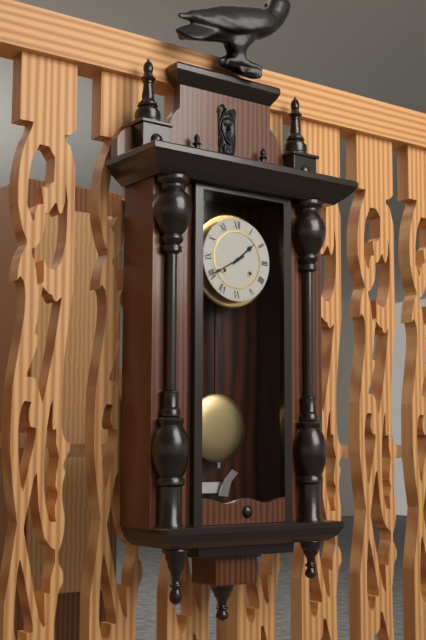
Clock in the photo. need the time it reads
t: 1:40
